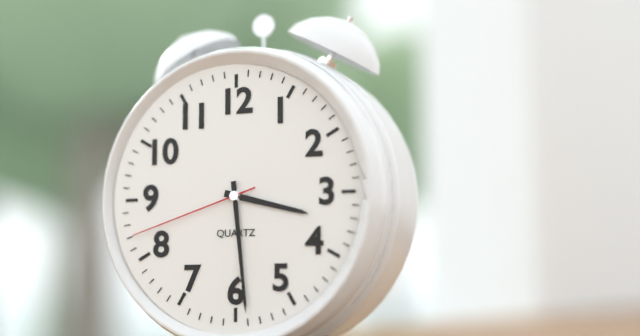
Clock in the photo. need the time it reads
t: 3:29:42
